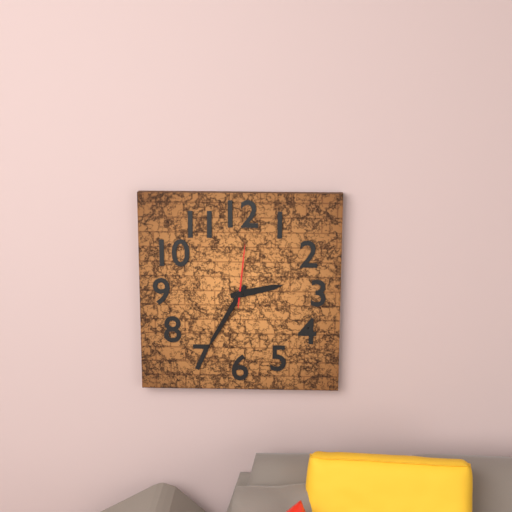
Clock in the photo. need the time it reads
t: 2:35:01
